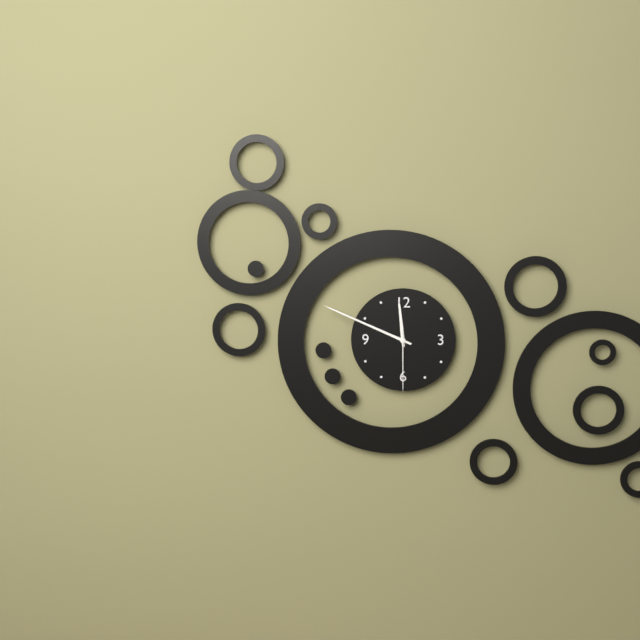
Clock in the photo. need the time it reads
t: 11:49:30
